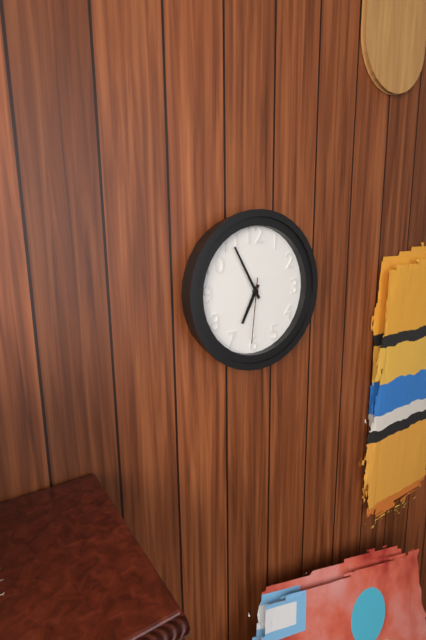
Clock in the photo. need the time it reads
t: 6:55:31
